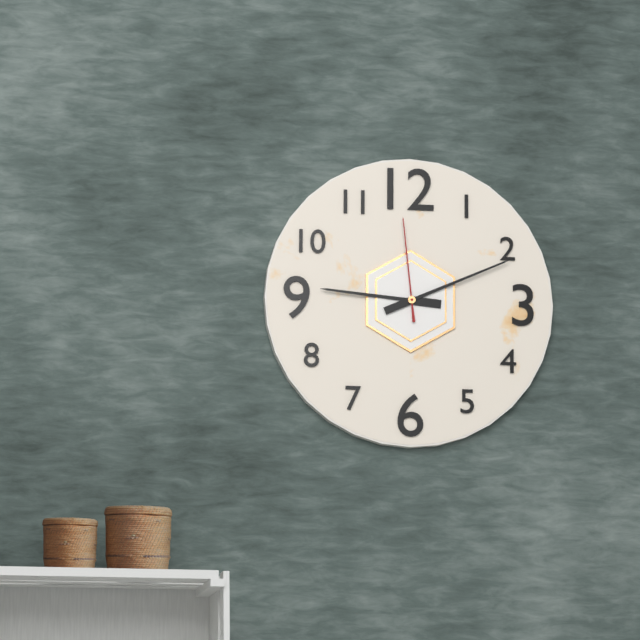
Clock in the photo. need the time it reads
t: 9:11:59
